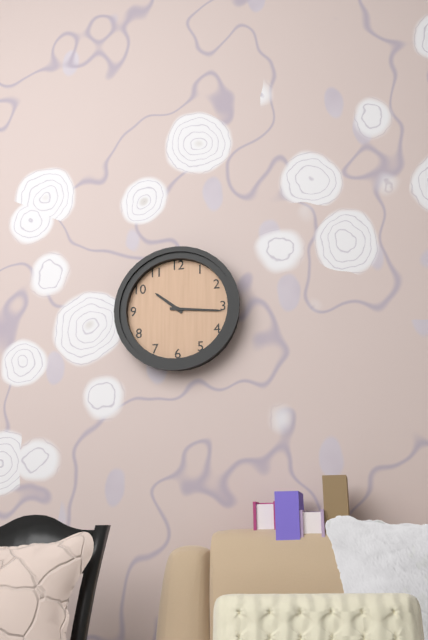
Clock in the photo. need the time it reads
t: 10:16
